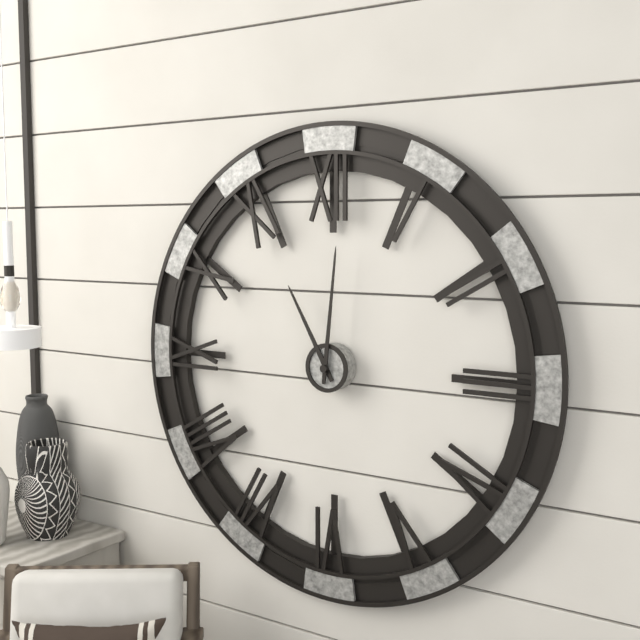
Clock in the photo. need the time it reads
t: 11:01
